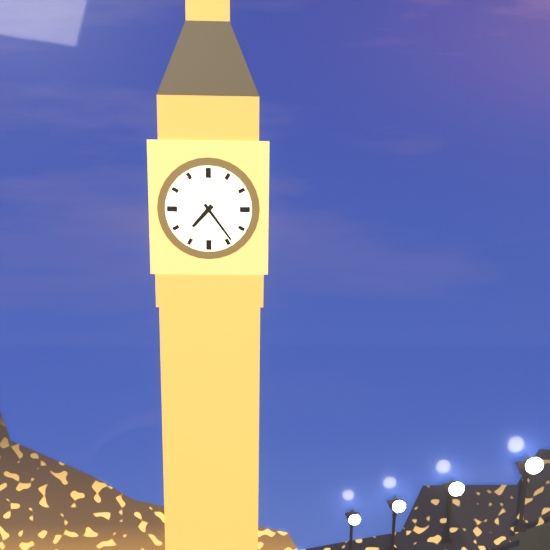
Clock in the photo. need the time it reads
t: 7:24
